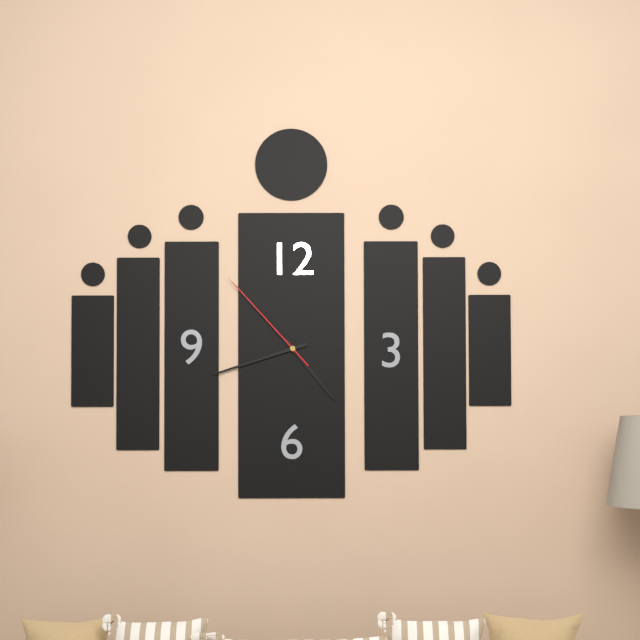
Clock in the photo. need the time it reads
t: 4:42:53
